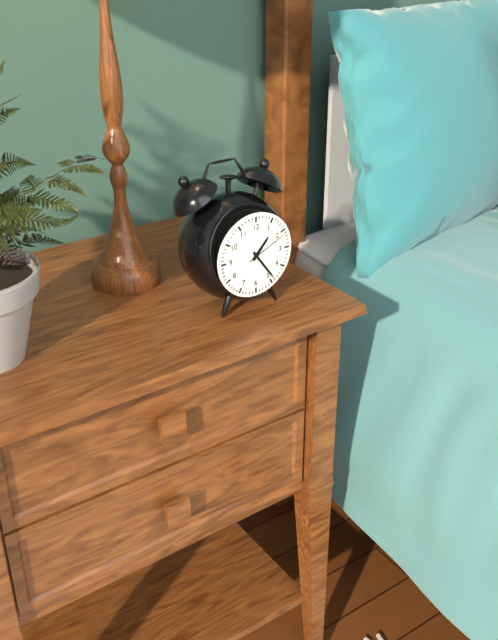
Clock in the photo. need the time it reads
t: 1:24
